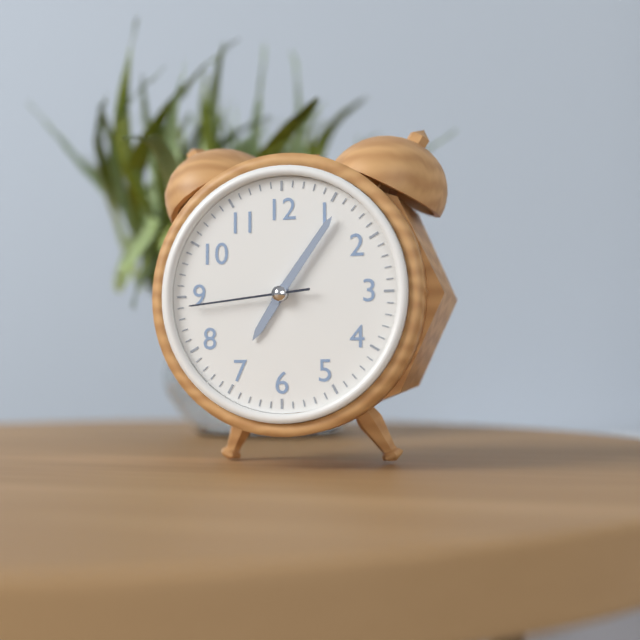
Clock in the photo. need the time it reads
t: 7:06:44
